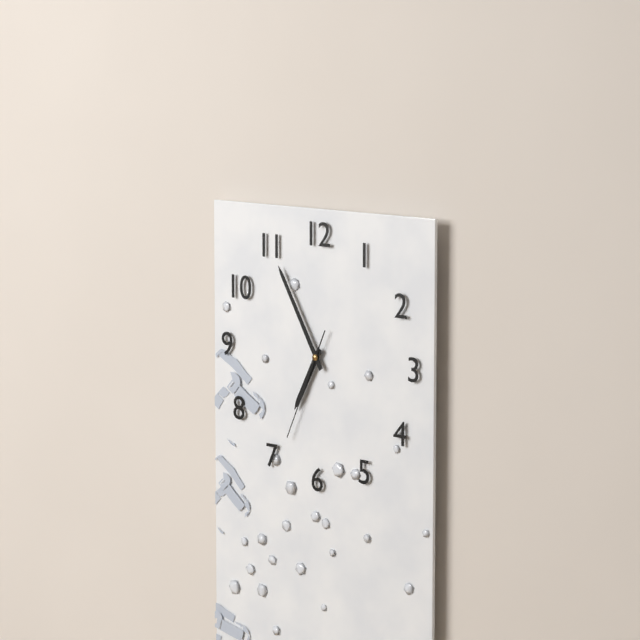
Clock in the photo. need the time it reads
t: 6:55:34
